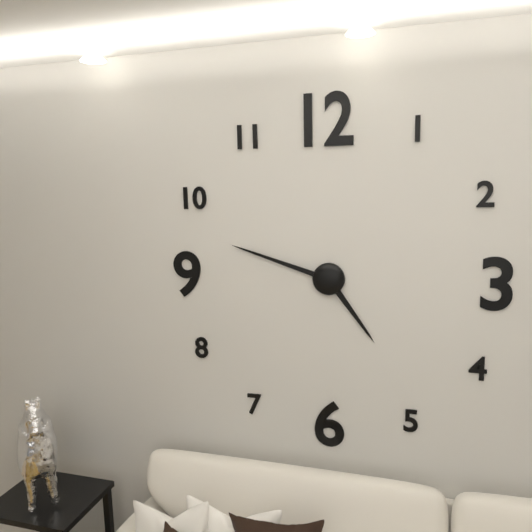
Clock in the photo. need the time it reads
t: 4:48
